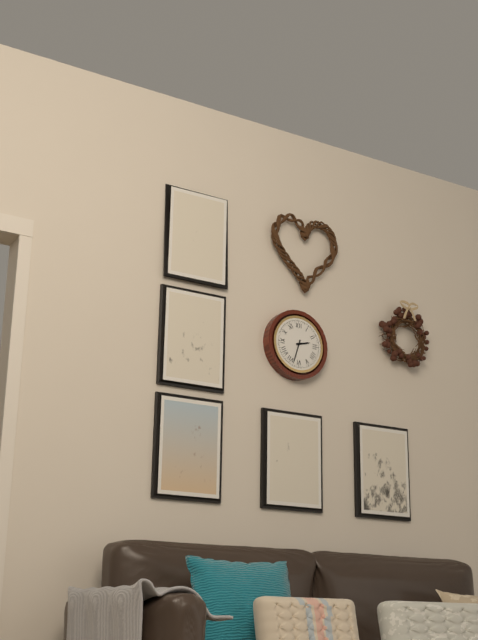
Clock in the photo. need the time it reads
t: 2:33
